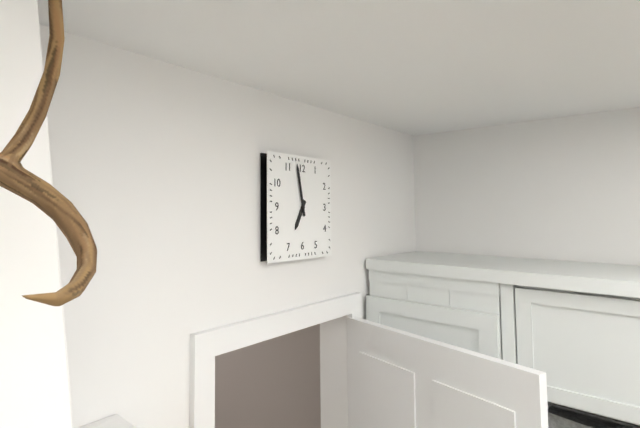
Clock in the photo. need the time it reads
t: 6:58
